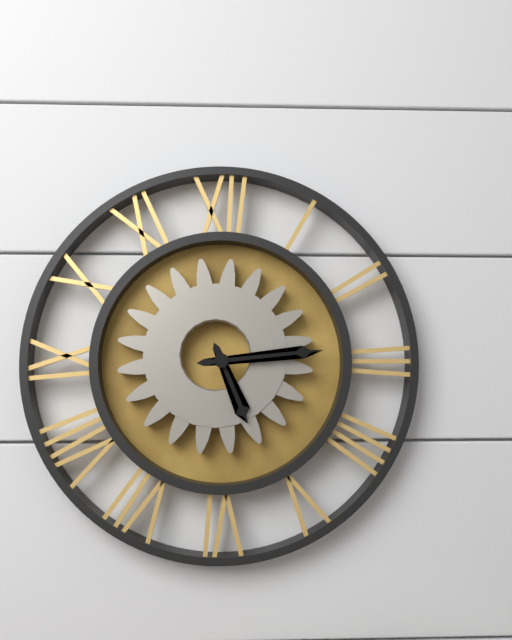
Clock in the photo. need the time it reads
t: 5:14
